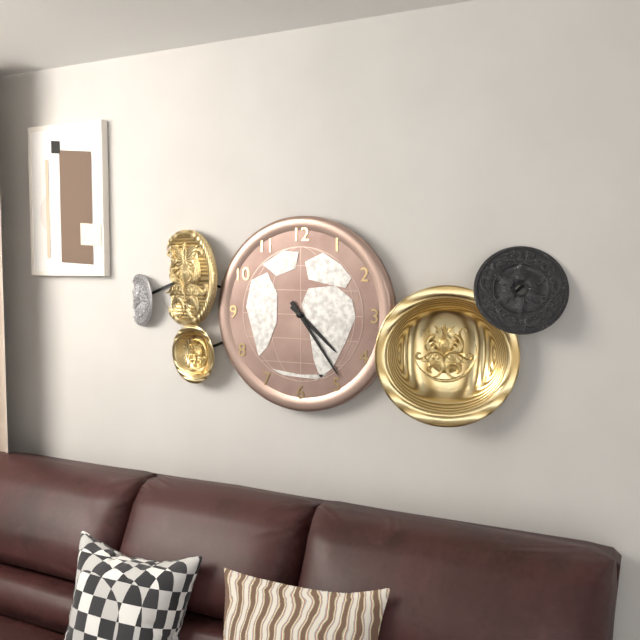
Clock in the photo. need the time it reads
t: 4:24
